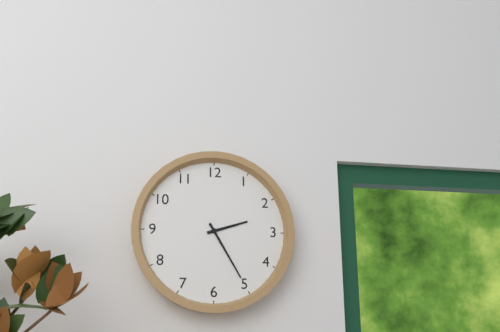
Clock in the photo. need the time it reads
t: 2:25
